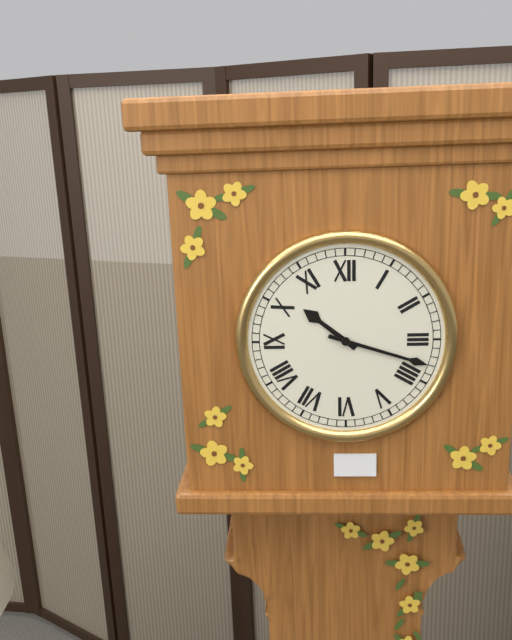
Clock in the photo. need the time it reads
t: 10:18
